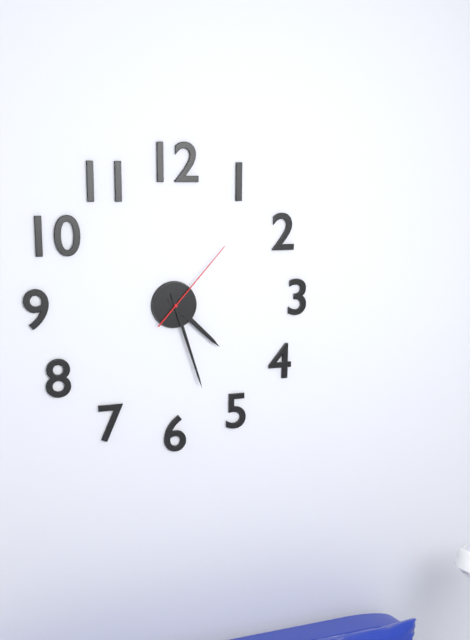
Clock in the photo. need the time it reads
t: 4:27:07
